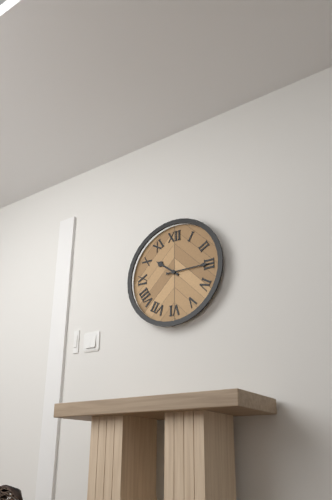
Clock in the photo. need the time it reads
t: 10:15
